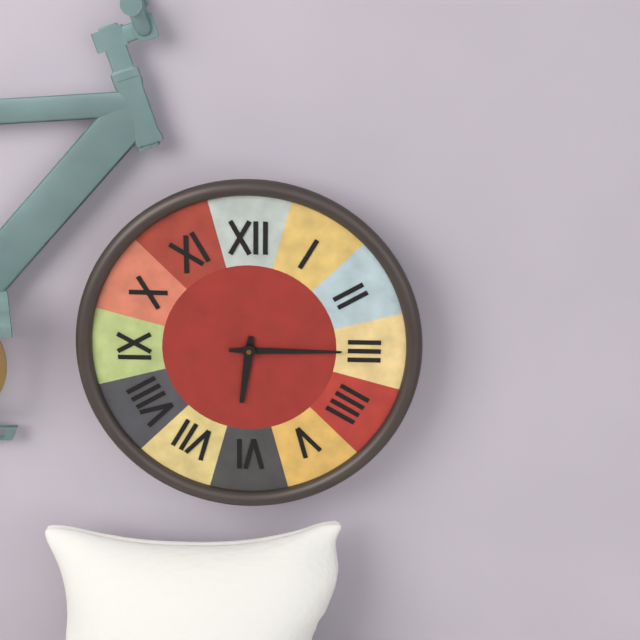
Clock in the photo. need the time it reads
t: 6:15
